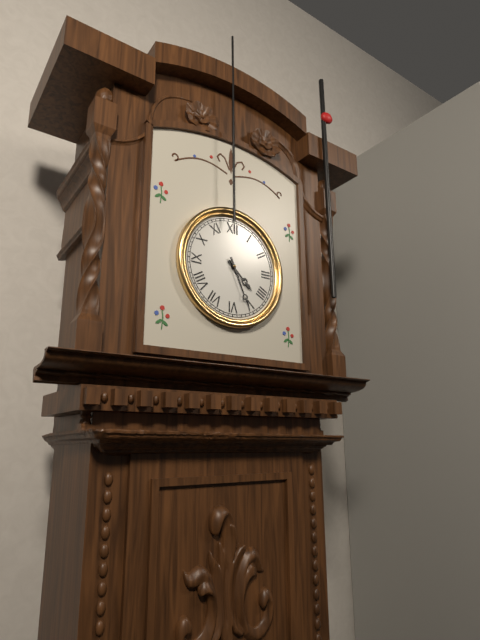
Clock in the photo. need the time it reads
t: 4:26
